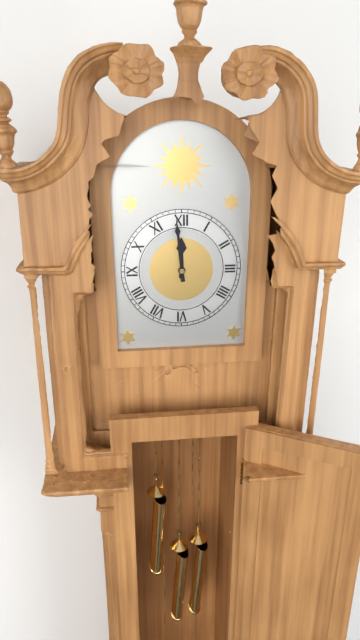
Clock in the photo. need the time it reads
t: 11:59
